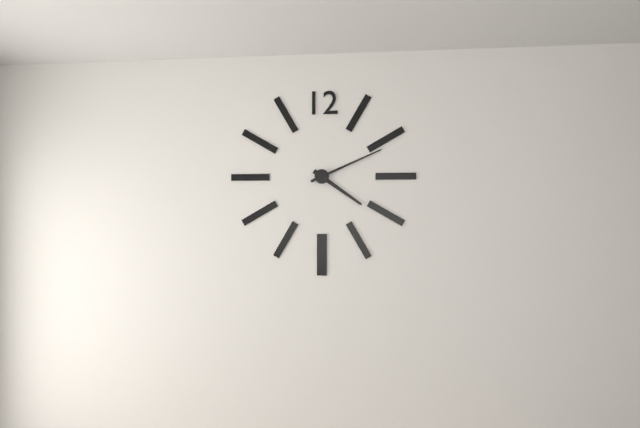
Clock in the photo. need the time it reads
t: 4:11
